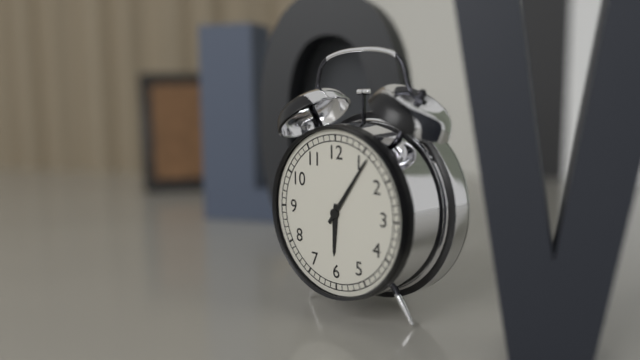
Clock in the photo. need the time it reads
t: 6:06
